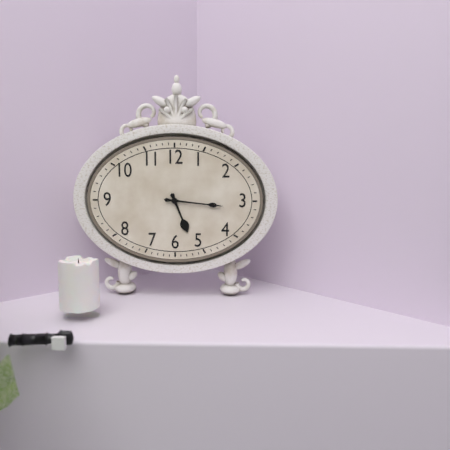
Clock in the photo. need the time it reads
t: 5:16
